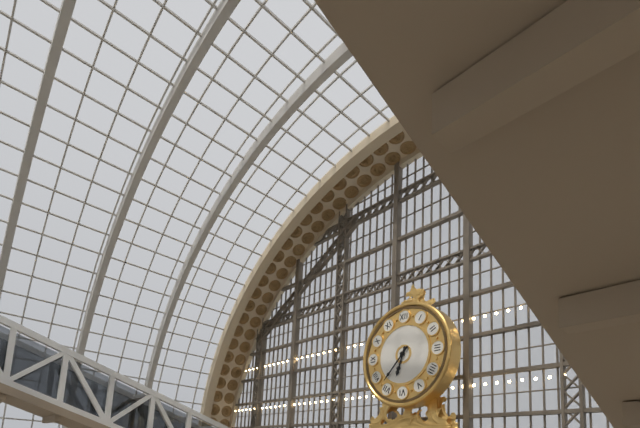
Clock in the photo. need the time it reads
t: 6:37
